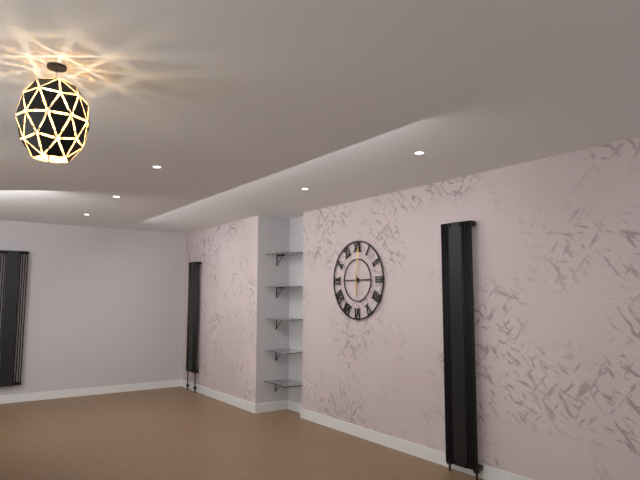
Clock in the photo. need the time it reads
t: 6:01
